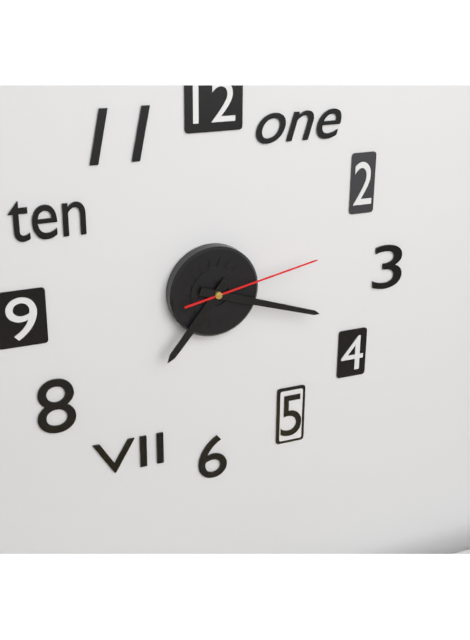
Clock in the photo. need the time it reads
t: 7:18:13
